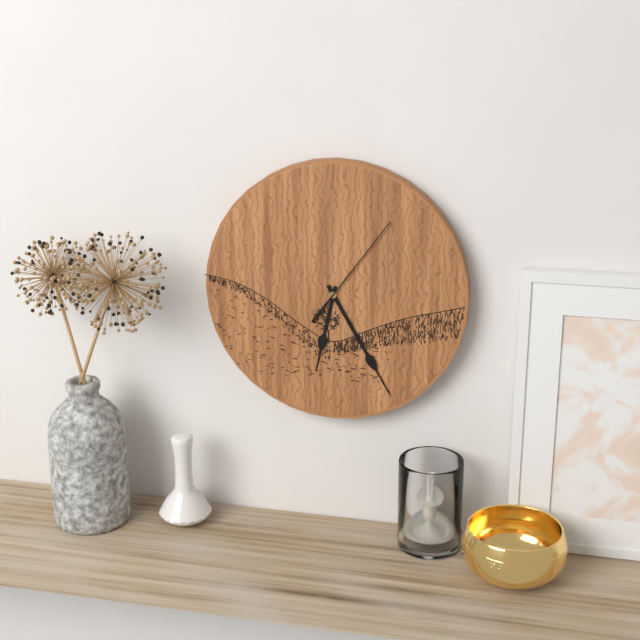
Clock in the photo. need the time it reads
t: 6:25:06
